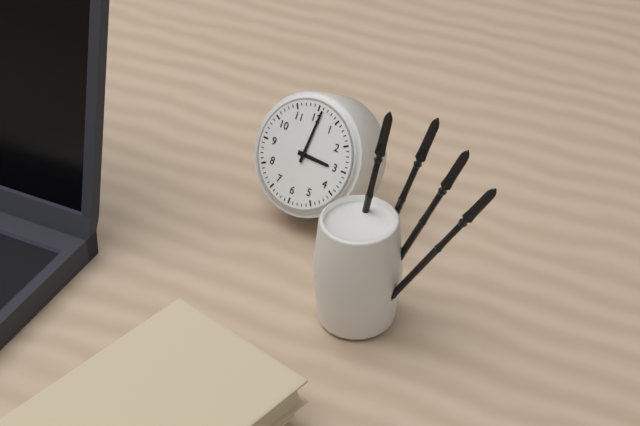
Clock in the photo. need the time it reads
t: 3:01
